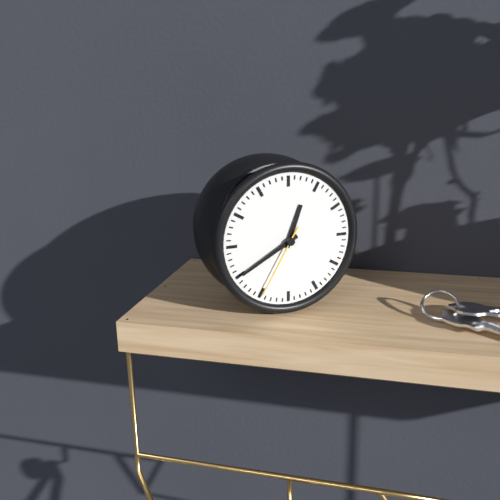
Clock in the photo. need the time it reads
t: 12:40:35
